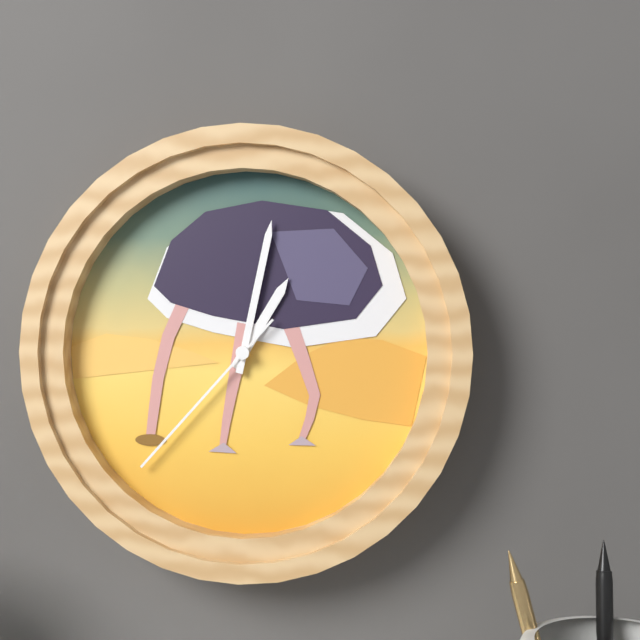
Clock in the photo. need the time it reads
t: 1:02:37
